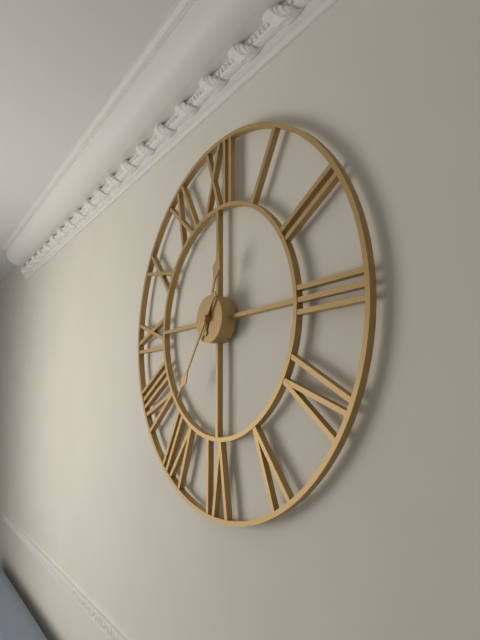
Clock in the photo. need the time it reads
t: 12:36
